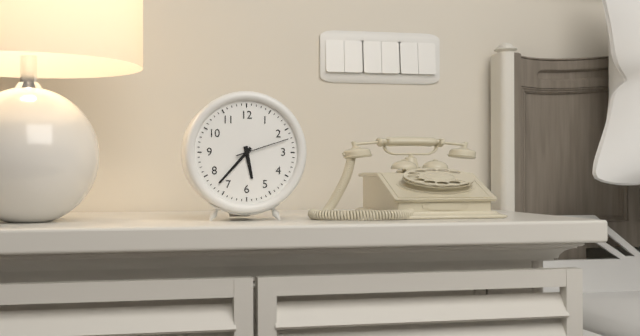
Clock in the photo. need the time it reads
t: 5:37:12
